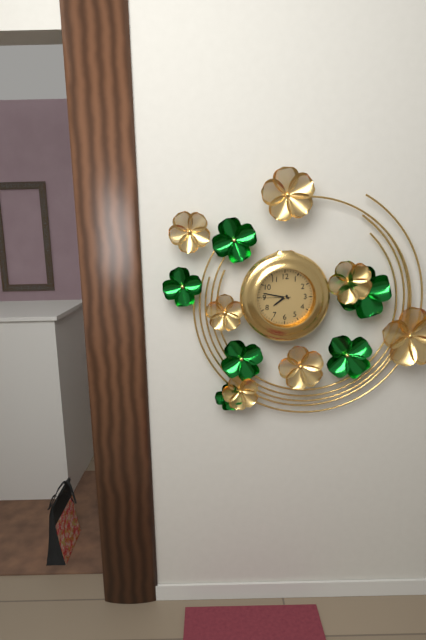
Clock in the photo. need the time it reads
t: 7:47
